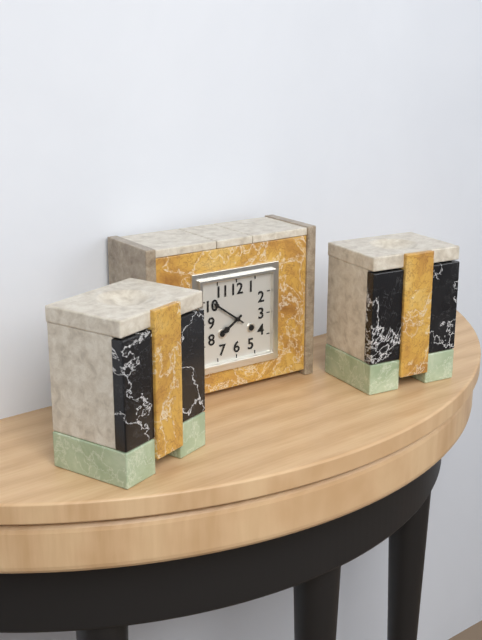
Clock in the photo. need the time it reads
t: 7:51
